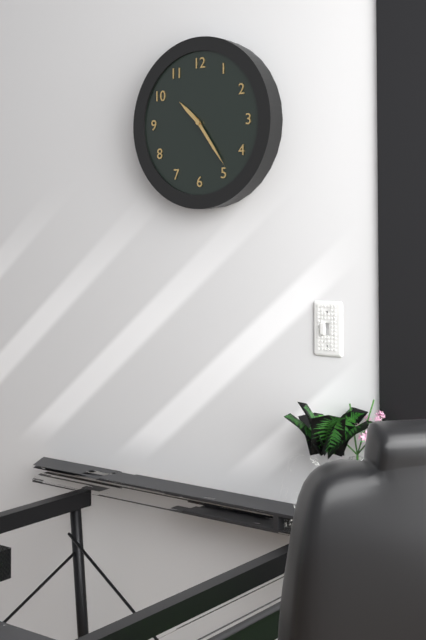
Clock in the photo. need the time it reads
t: 10:24
